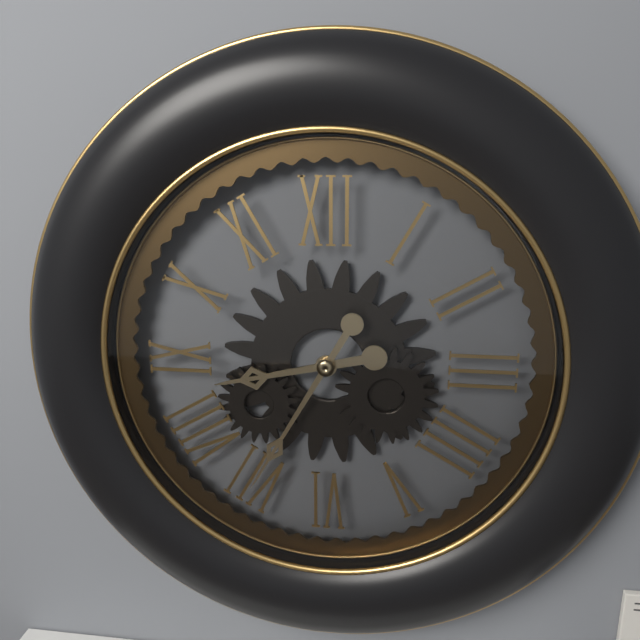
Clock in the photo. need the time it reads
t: 8:35
